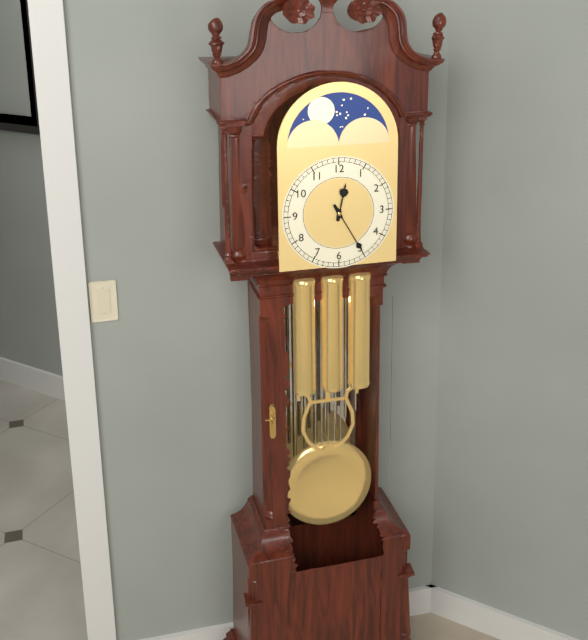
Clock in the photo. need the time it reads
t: 12:25
